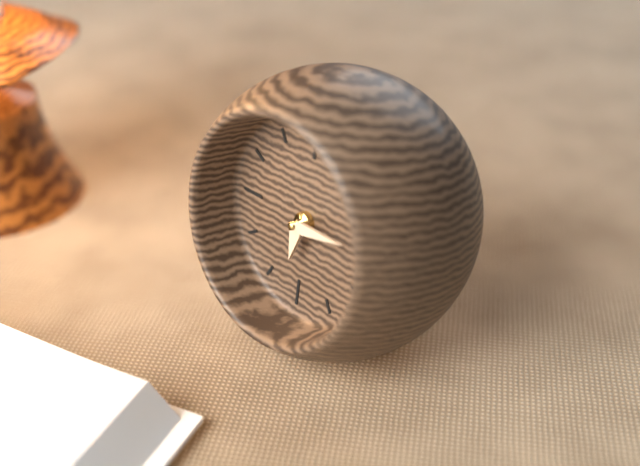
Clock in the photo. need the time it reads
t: 6:14
